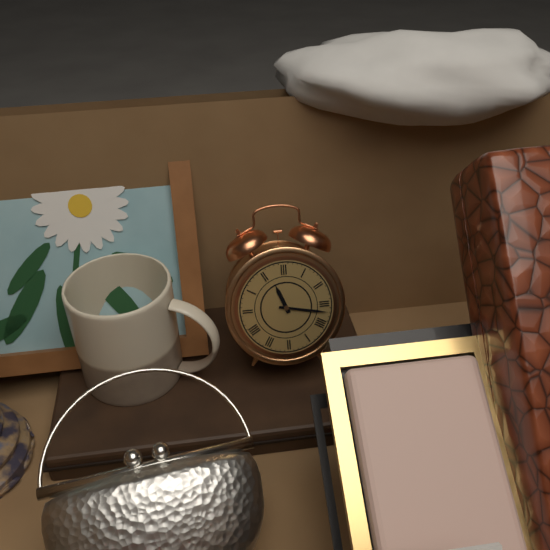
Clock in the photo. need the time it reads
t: 11:17
